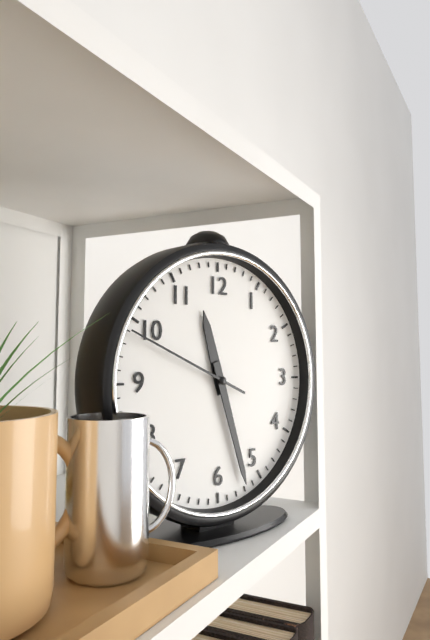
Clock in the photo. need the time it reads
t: 11:27:49
